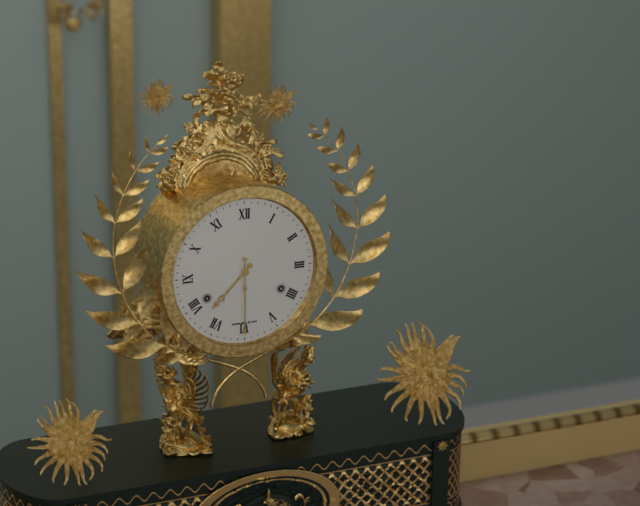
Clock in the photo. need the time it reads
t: 7:30
